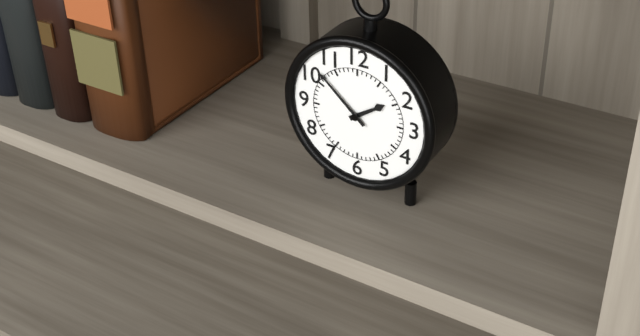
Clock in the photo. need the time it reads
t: 1:52
